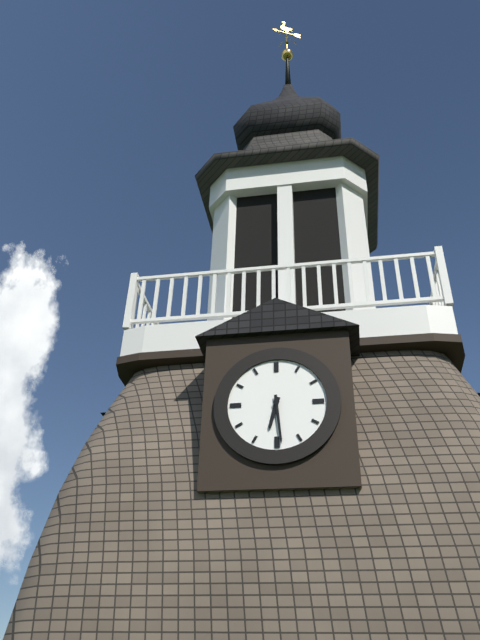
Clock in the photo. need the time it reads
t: 6:29
